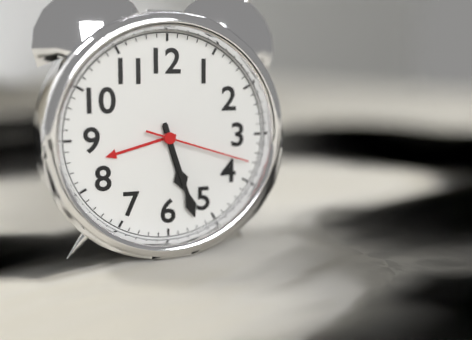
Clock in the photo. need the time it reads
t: 5:27:18
